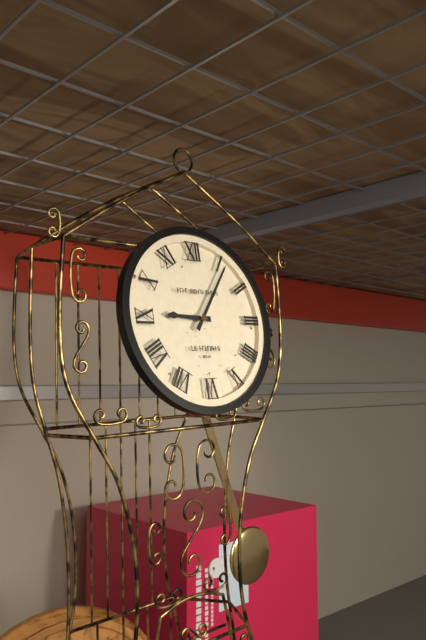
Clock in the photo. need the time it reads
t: 9:06
